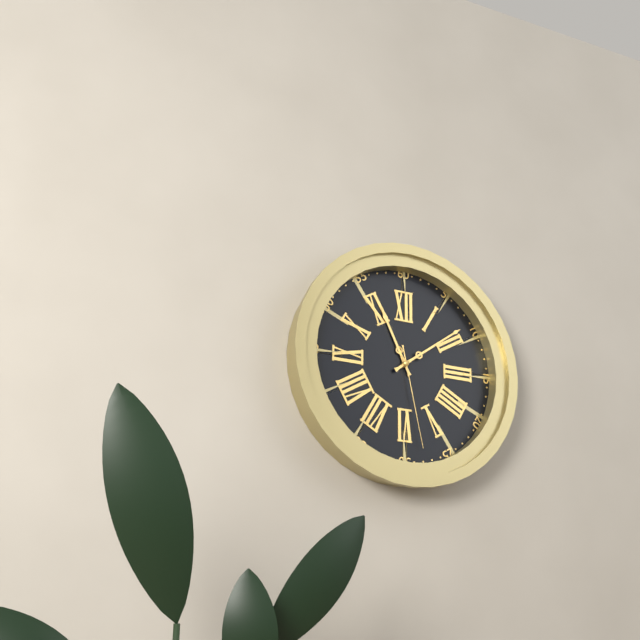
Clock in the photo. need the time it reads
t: 11:09:28
